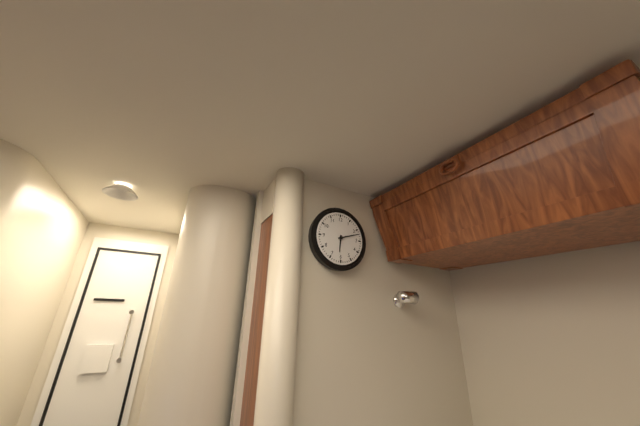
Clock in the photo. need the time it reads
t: 6:12
